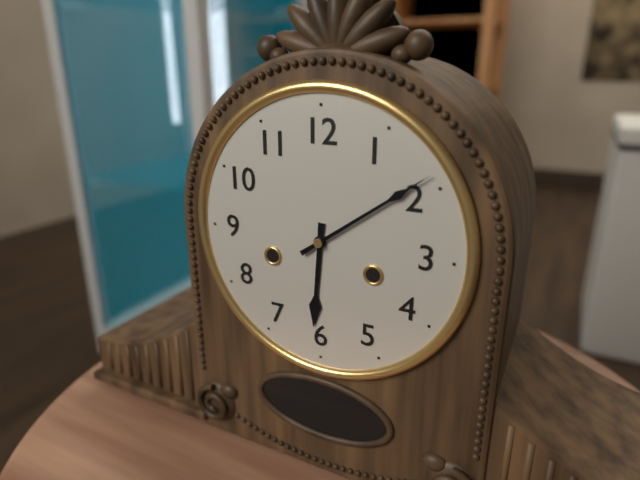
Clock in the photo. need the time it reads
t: 6:09
